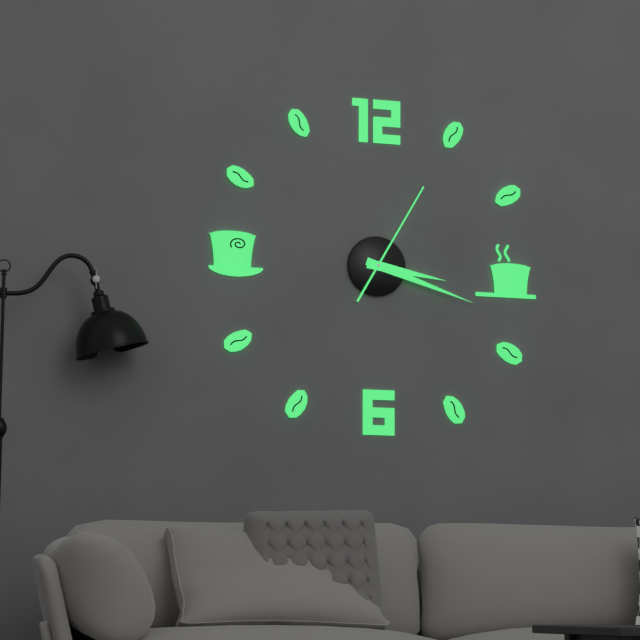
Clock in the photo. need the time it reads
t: 3:18:05
